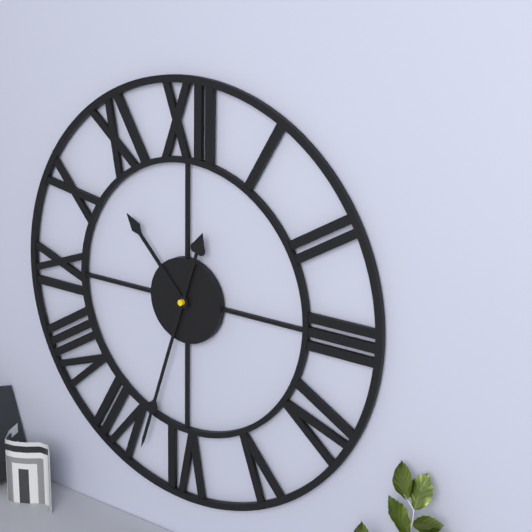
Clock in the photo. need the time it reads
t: 10:33
